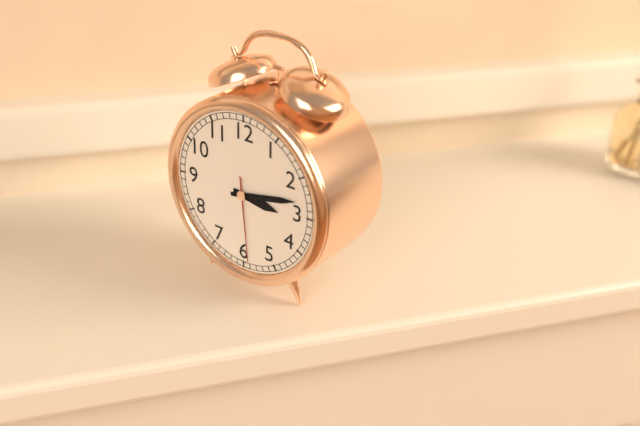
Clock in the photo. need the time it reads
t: 3:13:29
